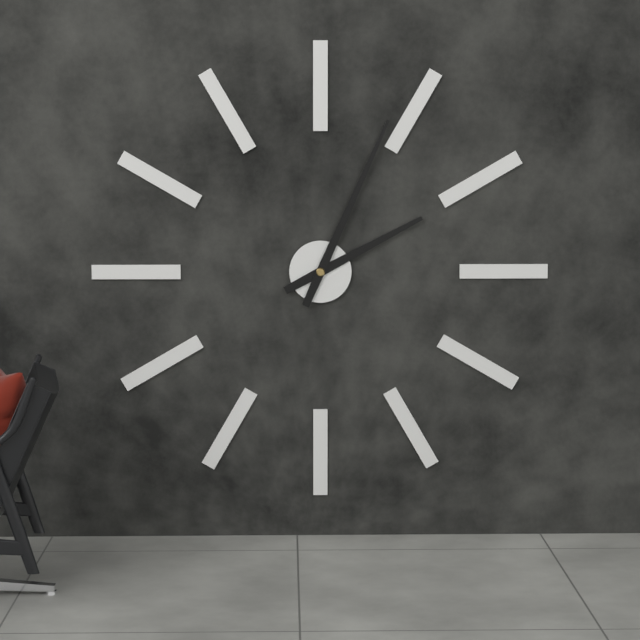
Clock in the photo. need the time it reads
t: 2:04
